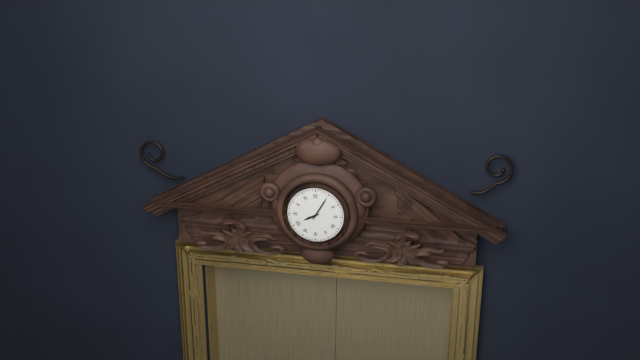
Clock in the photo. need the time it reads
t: 8:05
